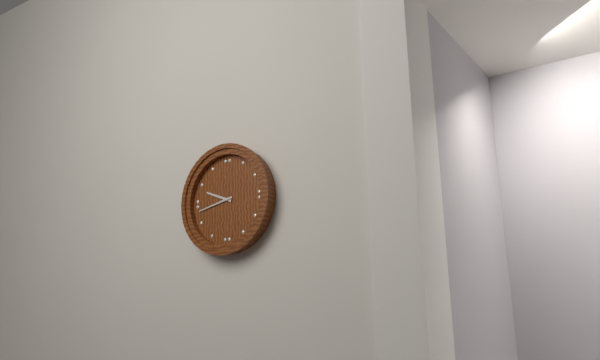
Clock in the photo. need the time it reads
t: 9:43
